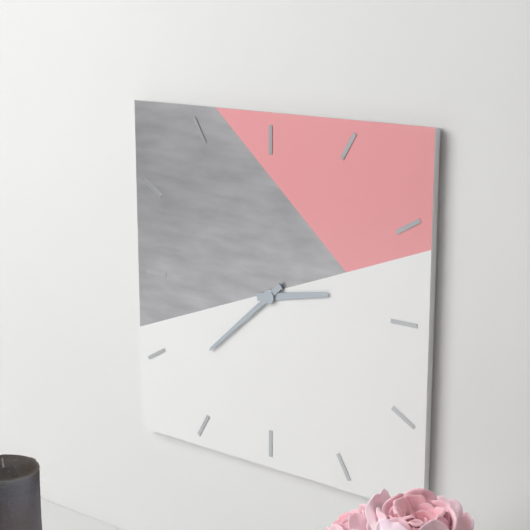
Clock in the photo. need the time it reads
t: 2:38
